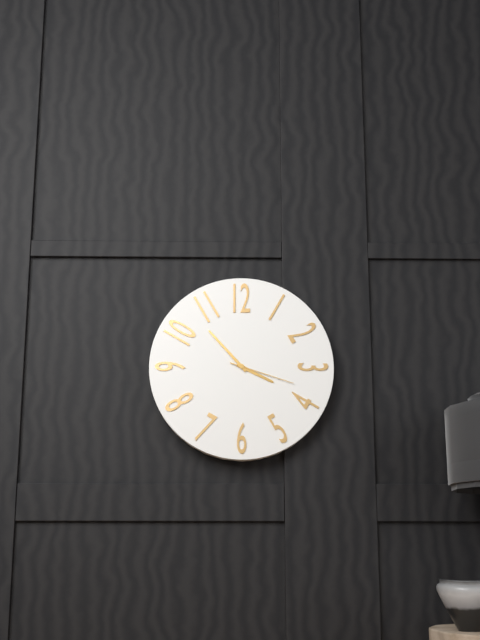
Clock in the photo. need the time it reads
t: 3:53:18
